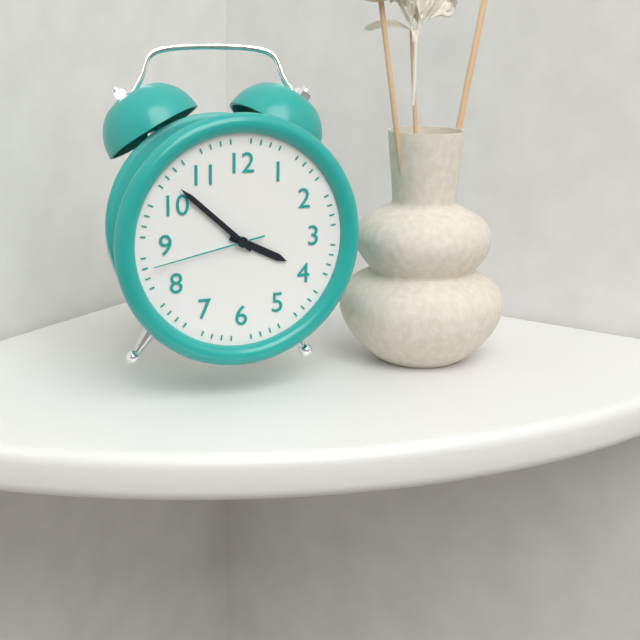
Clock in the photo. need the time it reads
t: 3:52:43
